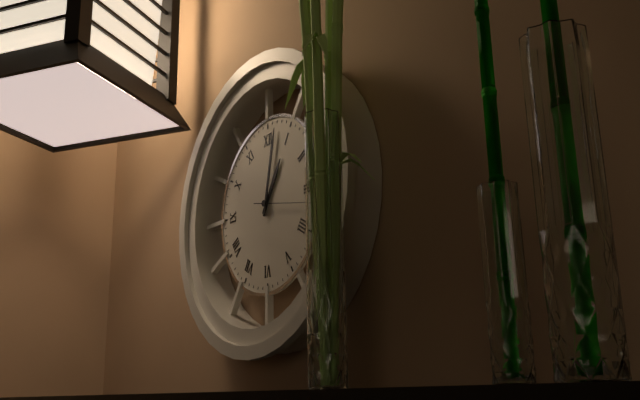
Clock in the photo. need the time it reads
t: 1:02:17
